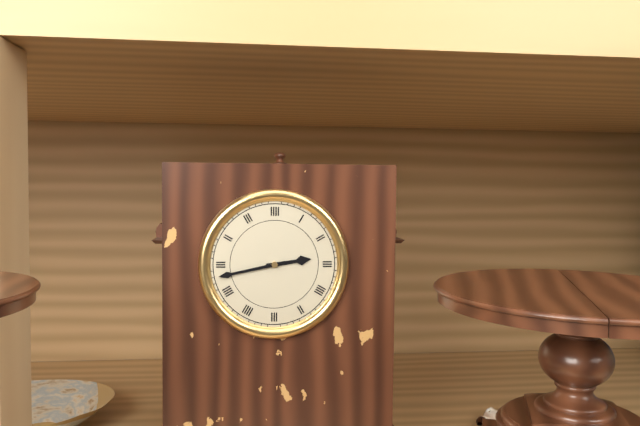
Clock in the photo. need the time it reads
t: 2:43
